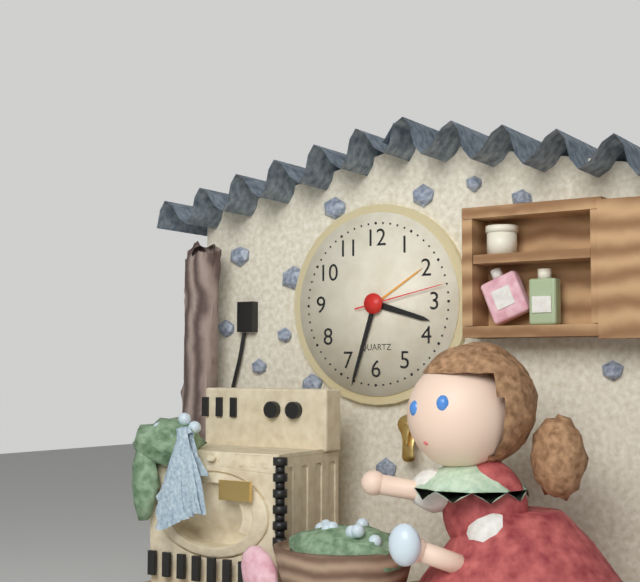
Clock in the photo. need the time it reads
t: 3:33:13
